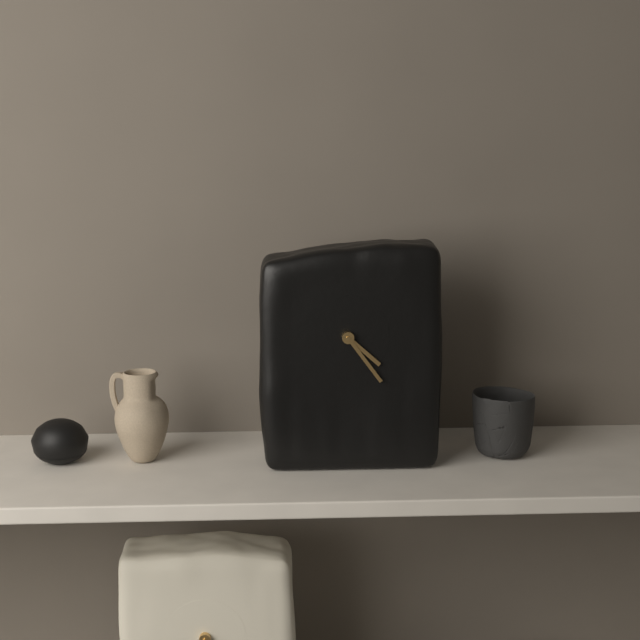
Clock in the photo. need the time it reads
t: 4:24
